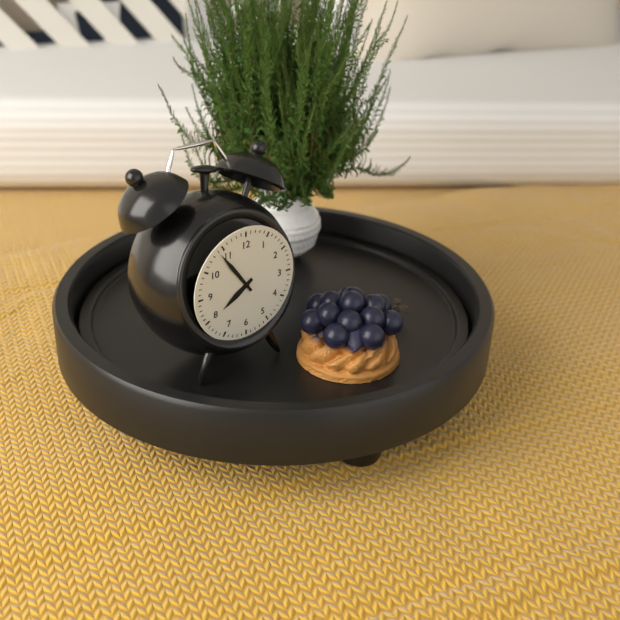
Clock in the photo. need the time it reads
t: 7:54
